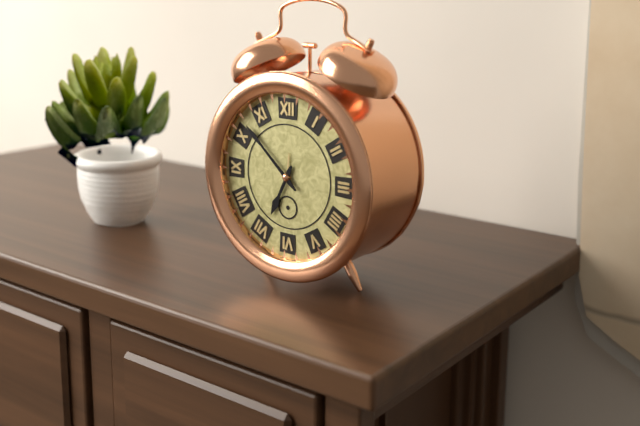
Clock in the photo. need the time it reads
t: 6:52
